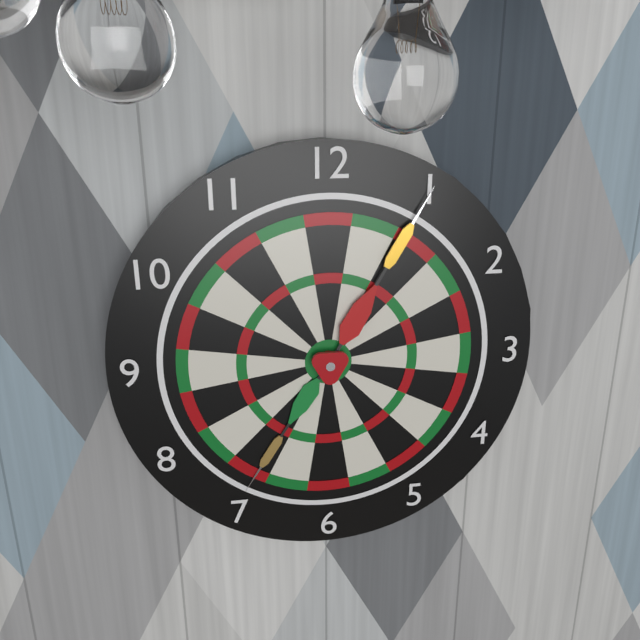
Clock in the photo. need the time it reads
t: 7:05
